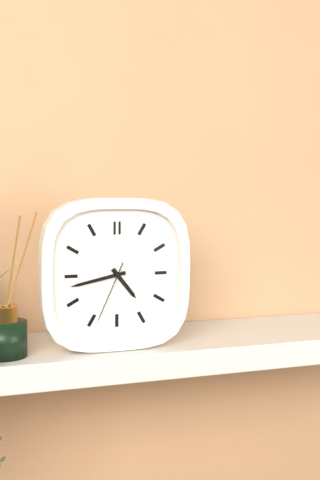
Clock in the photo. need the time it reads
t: 4:43:34
